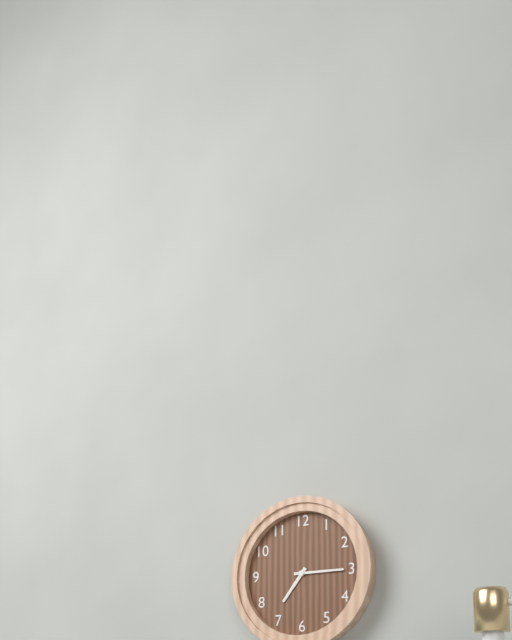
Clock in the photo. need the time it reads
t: 7:15
